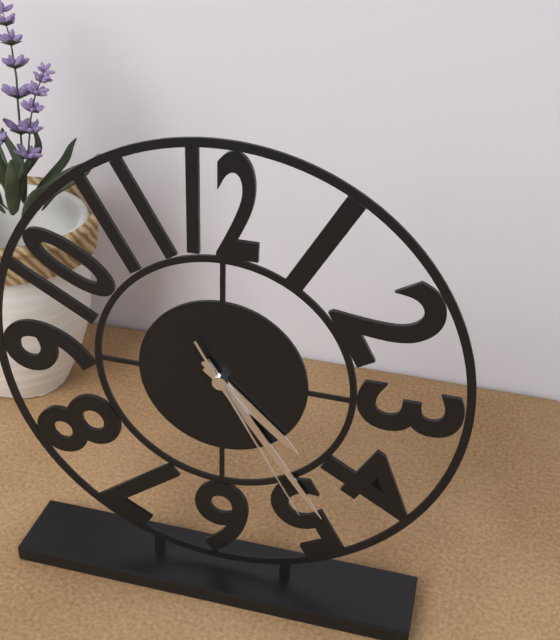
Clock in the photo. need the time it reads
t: 4:24:25
